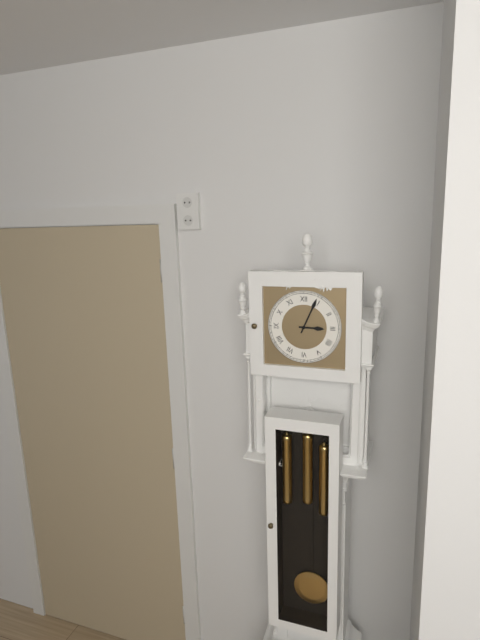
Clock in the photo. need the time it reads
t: 3:04
